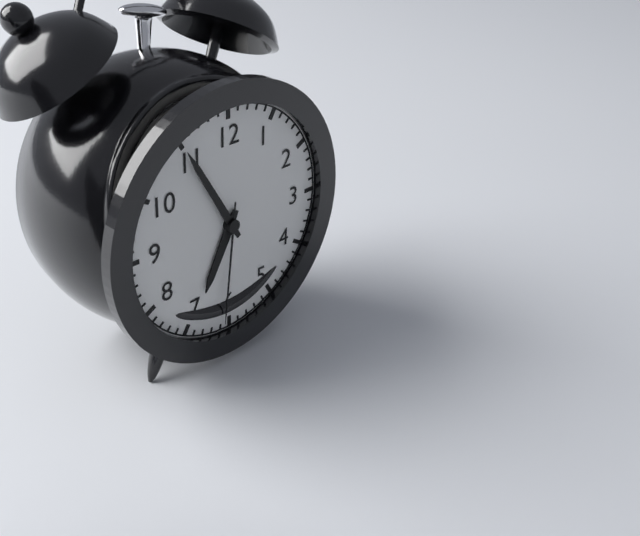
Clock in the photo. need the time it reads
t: 6:55:31
